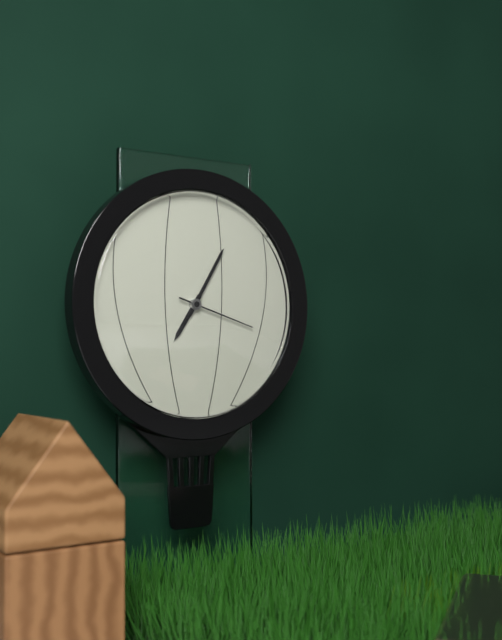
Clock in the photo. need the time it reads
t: 7:05:18
